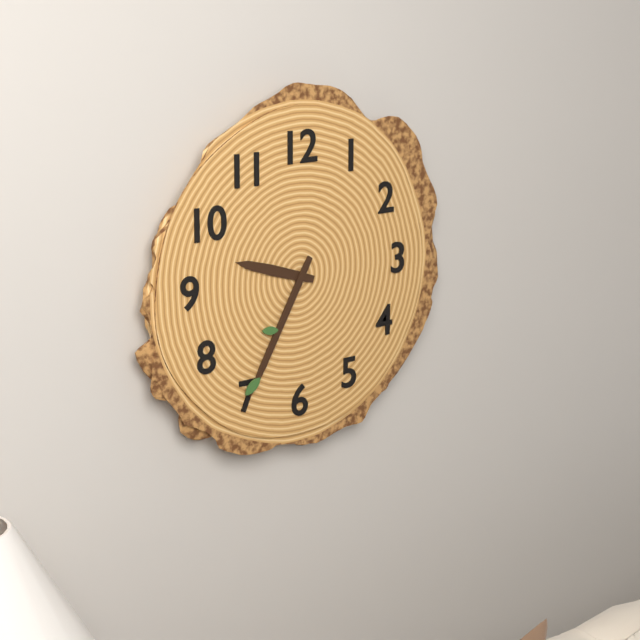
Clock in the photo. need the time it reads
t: 9:35
